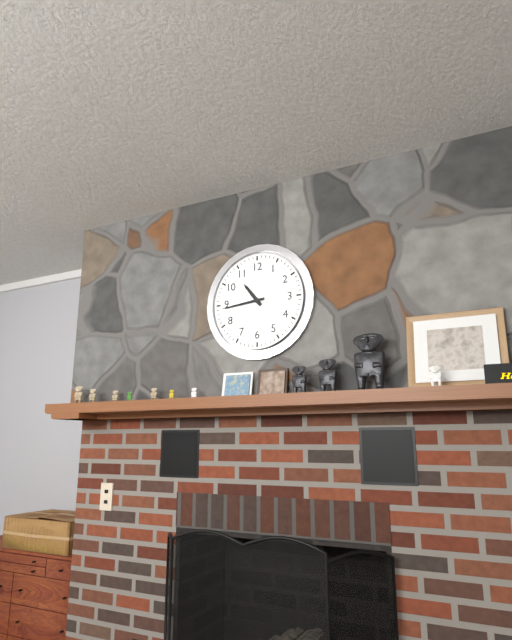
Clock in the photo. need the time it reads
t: 10:44
